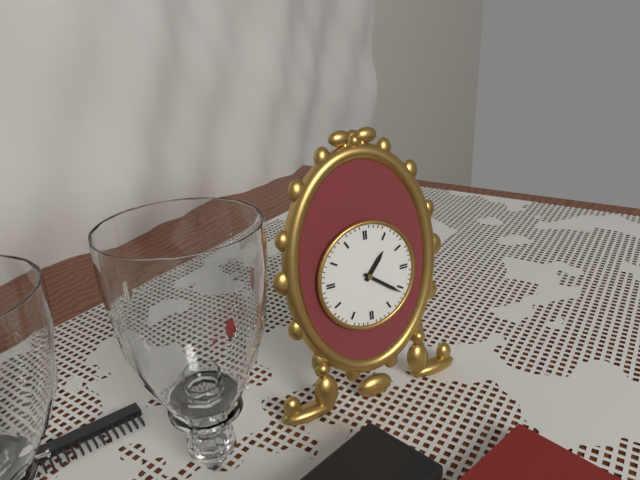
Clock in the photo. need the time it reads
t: 1:21
